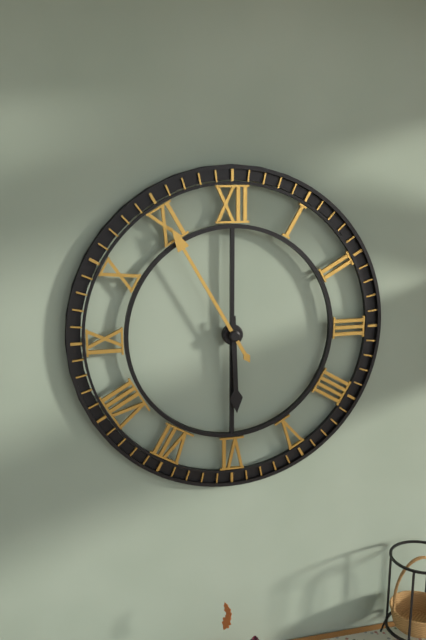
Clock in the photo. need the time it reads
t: 5:55
